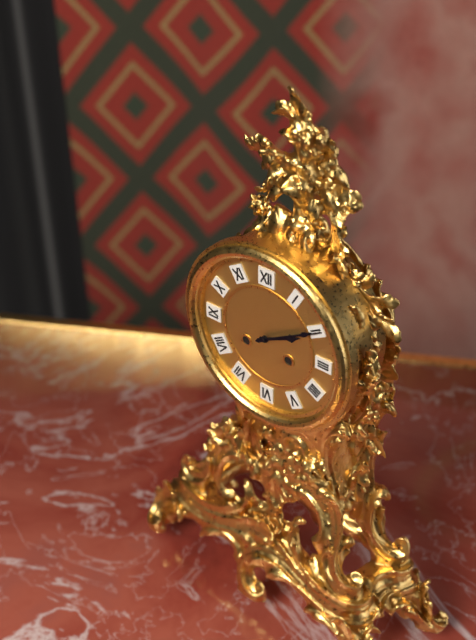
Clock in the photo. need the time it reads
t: 2:10
